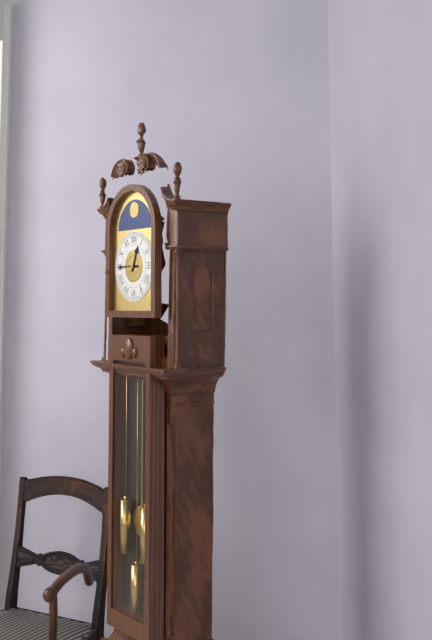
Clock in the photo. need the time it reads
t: 12:45
